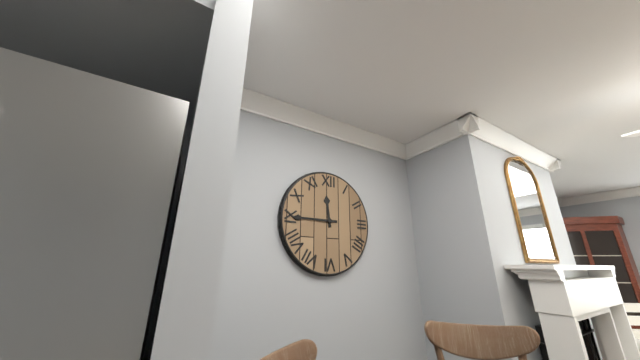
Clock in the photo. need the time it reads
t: 11:45
